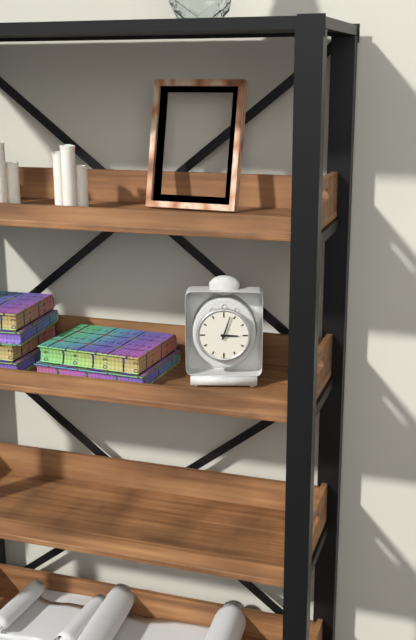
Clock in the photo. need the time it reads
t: 3:03
